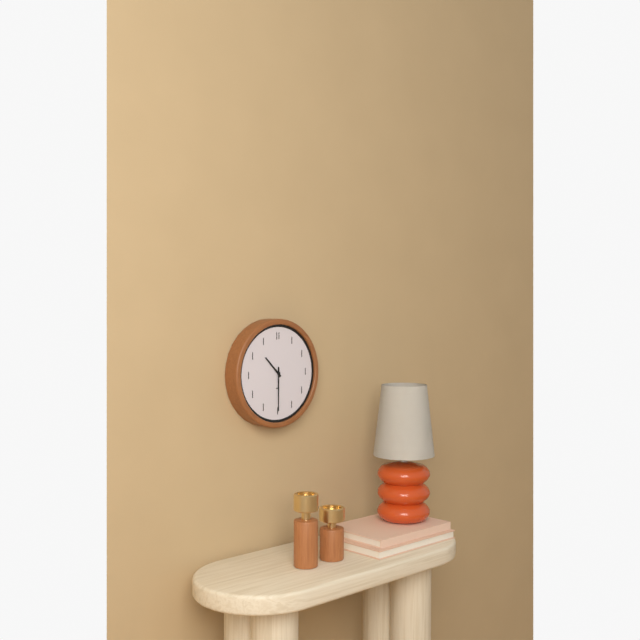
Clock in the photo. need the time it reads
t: 10:30
